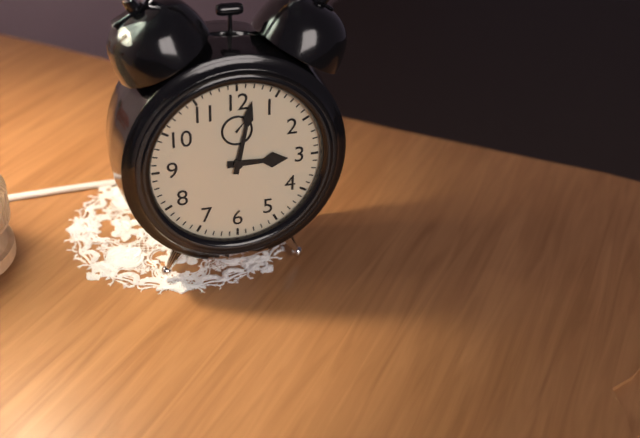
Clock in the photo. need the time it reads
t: 3:02
